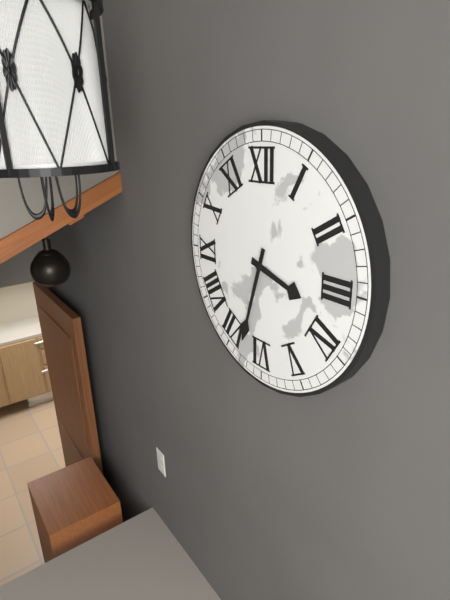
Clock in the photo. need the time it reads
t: 3:33
